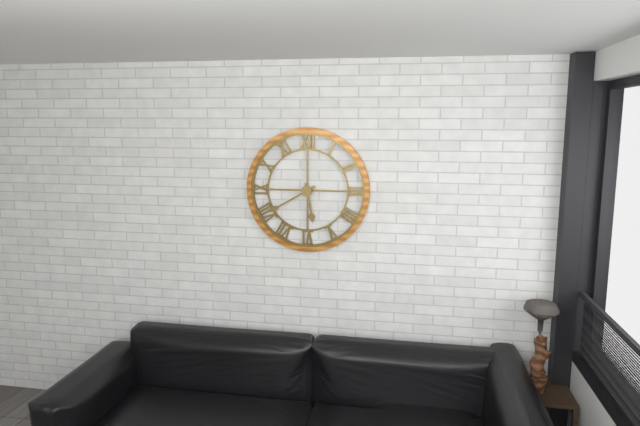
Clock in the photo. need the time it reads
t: 5:40
